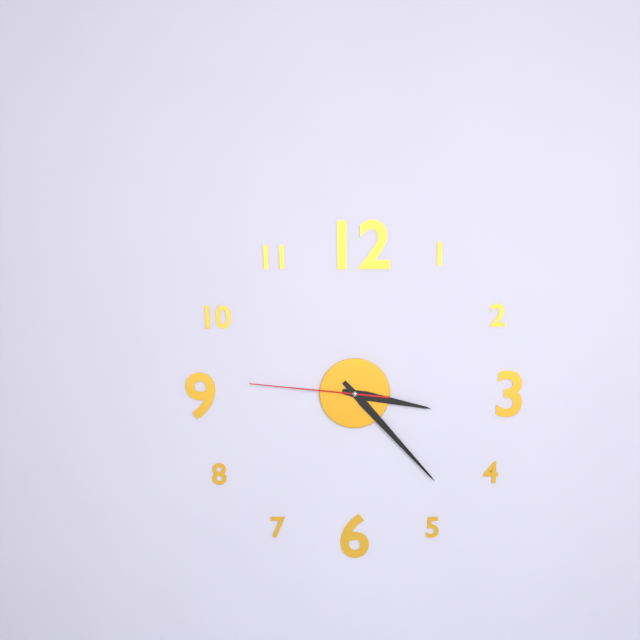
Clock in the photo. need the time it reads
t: 3:23:46
